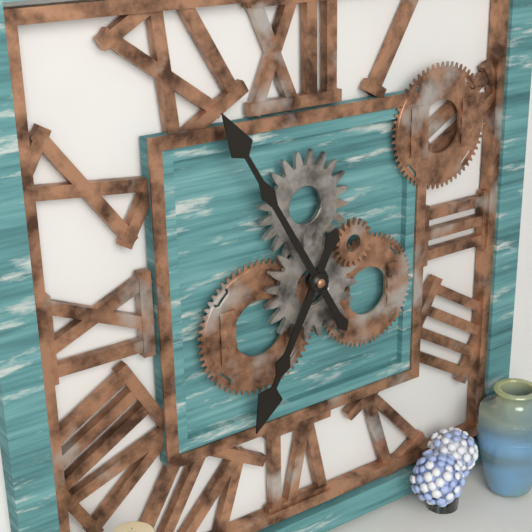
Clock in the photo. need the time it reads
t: 6:55
